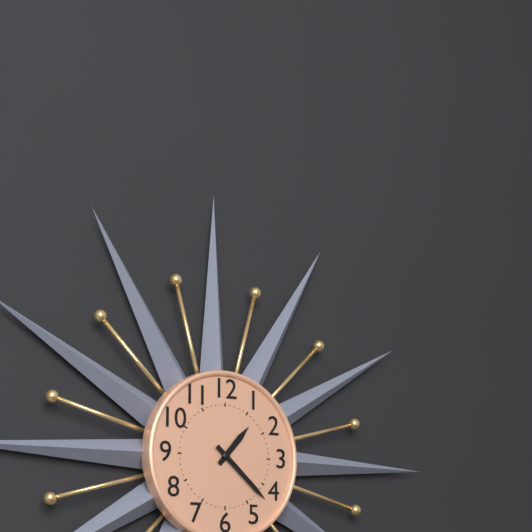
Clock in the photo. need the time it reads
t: 1:22
